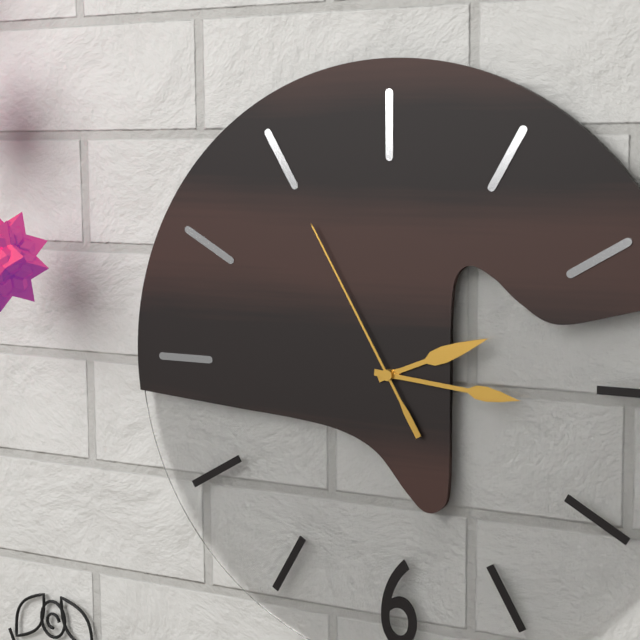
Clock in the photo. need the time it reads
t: 2:16:55
